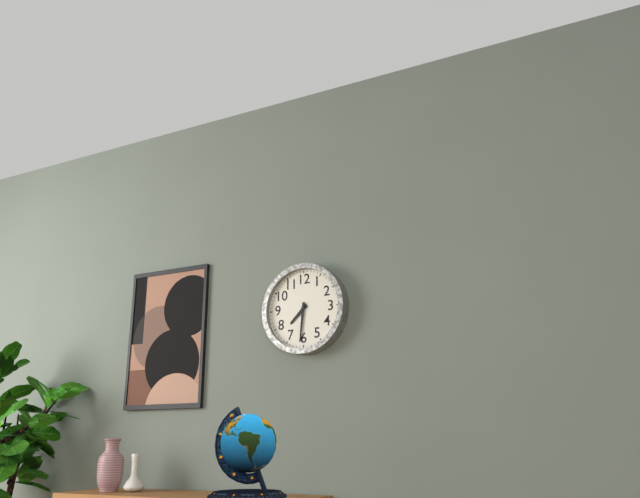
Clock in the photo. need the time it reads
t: 7:31
